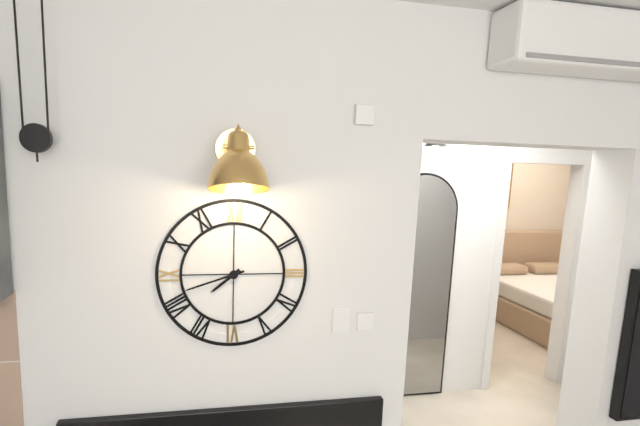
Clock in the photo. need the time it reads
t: 7:42
